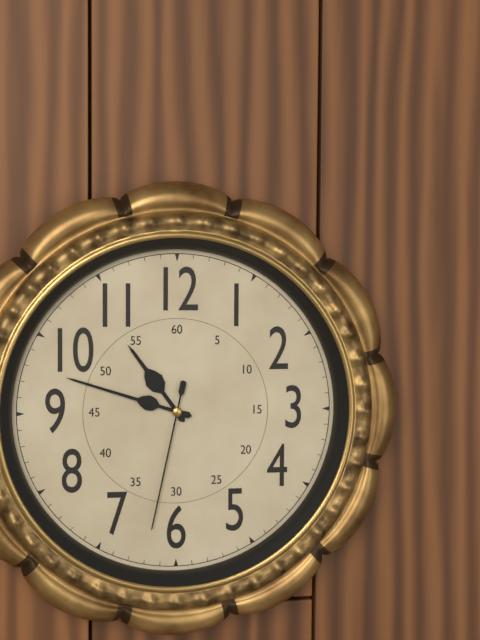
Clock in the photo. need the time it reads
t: 10:48:32
